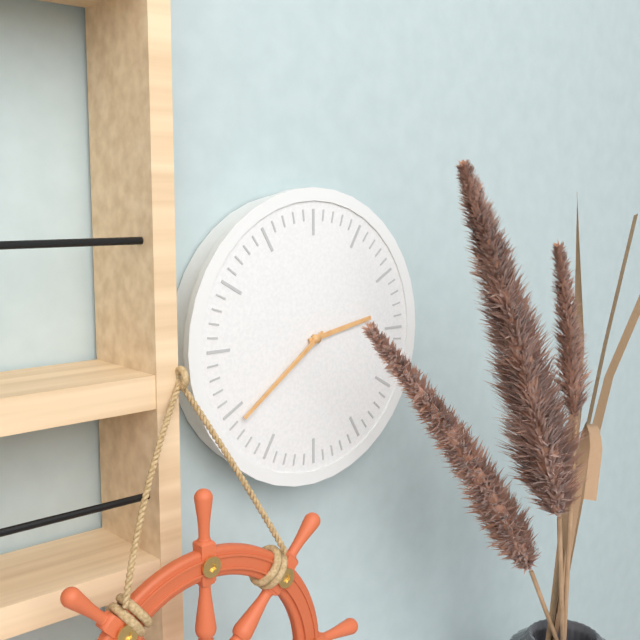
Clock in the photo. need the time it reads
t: 2:39
